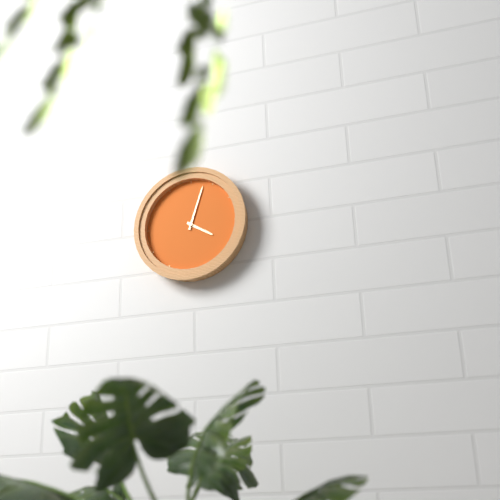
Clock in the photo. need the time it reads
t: 4:03
